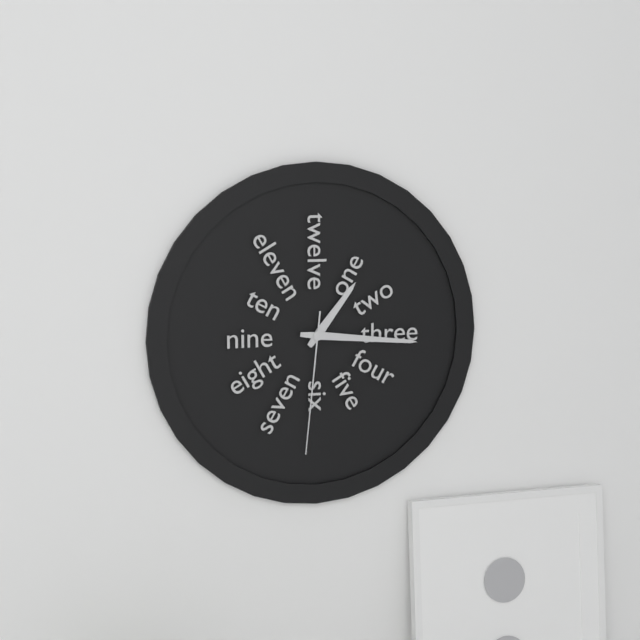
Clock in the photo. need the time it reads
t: 1:16:31
